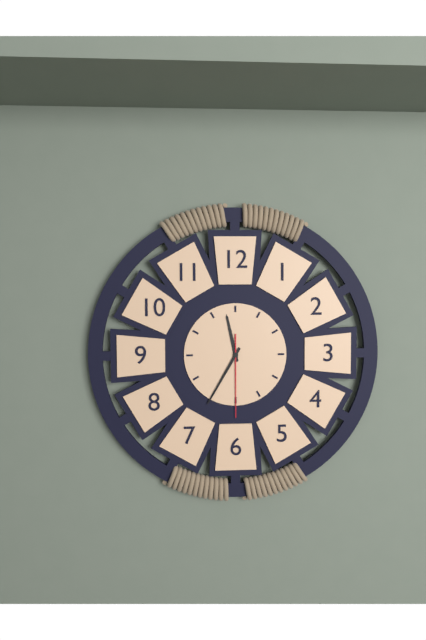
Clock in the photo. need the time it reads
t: 11:35:30
